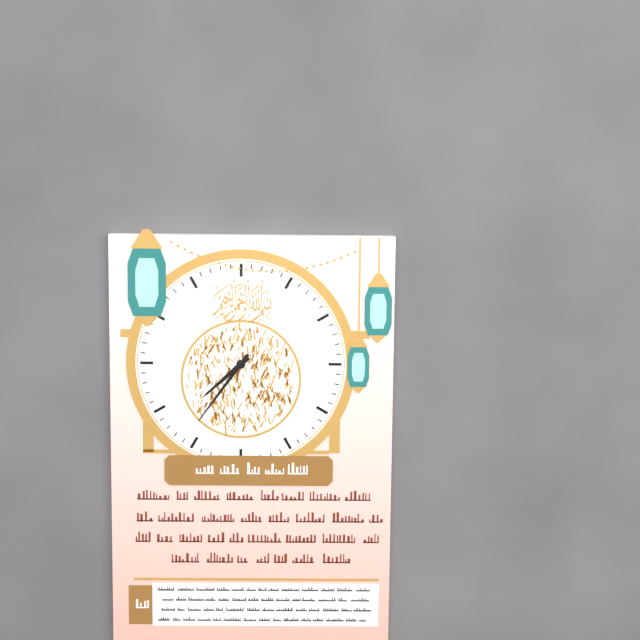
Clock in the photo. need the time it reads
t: 7:36
